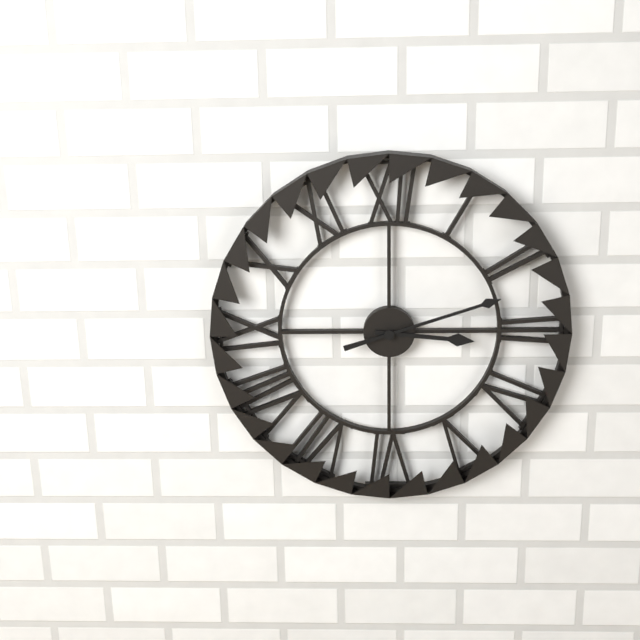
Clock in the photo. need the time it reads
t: 3:12
